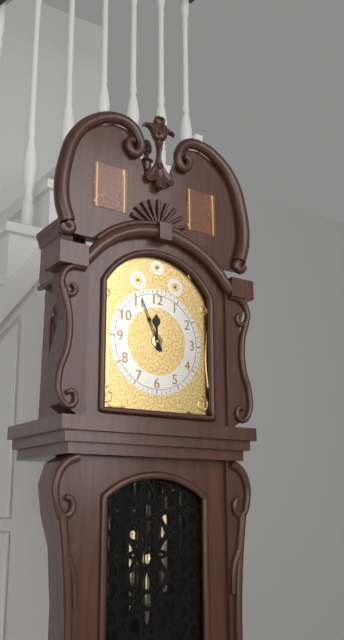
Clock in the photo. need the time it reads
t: 11:56
